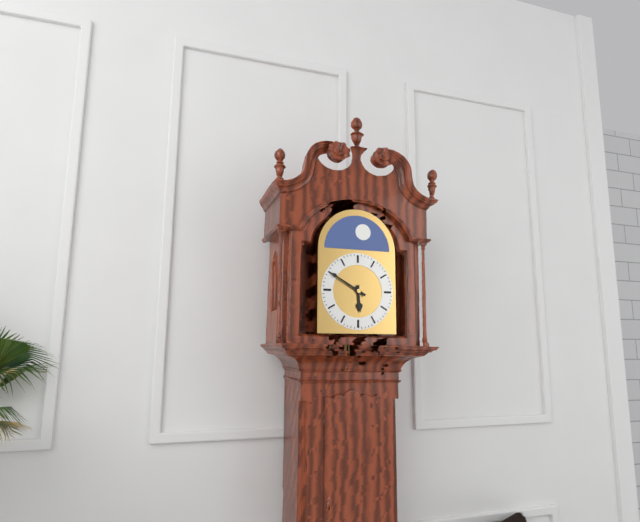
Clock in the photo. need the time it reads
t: 5:50
